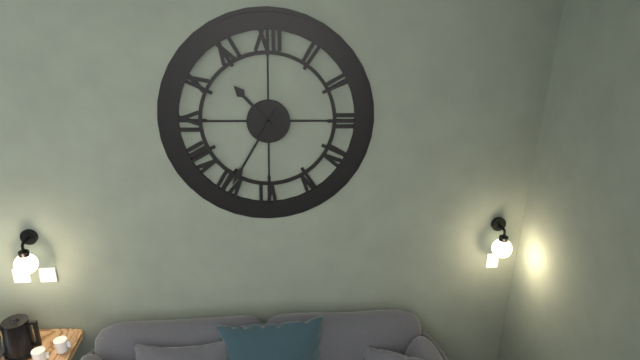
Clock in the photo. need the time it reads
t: 10:35
